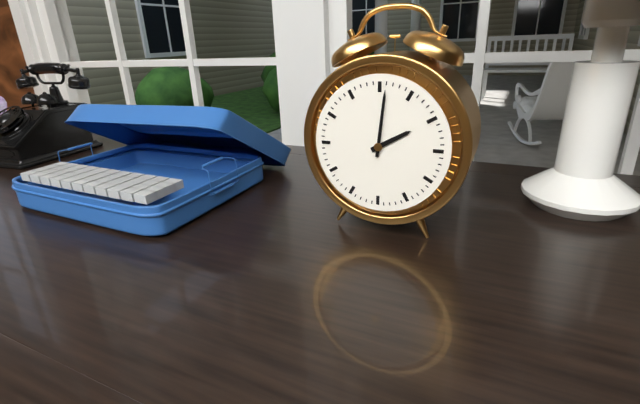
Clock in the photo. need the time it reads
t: 2:01
